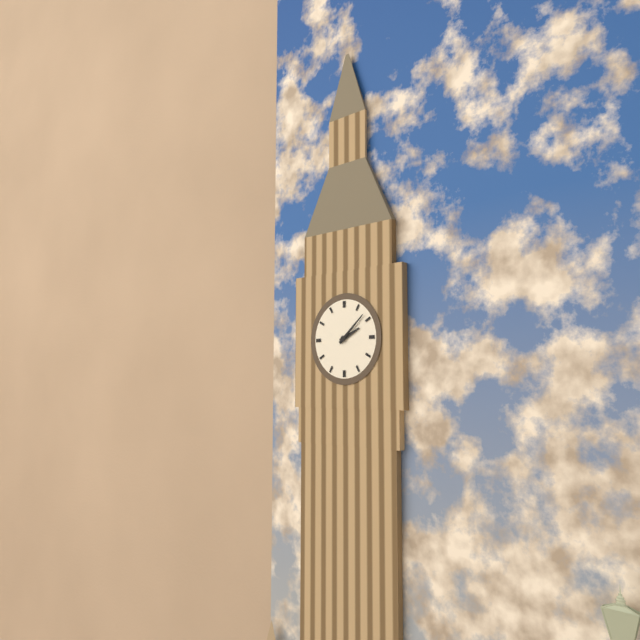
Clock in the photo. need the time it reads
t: 2:08
